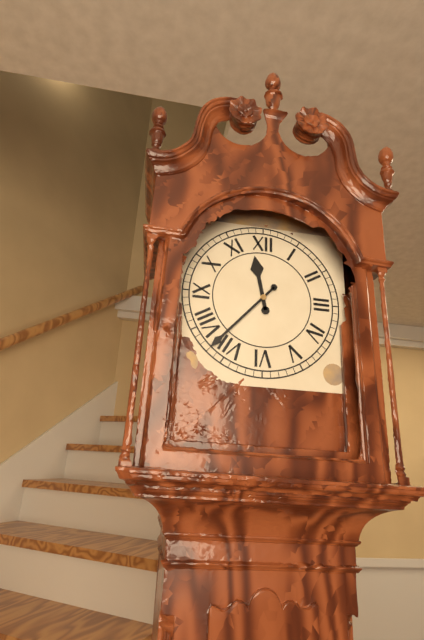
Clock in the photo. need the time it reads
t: 11:37
